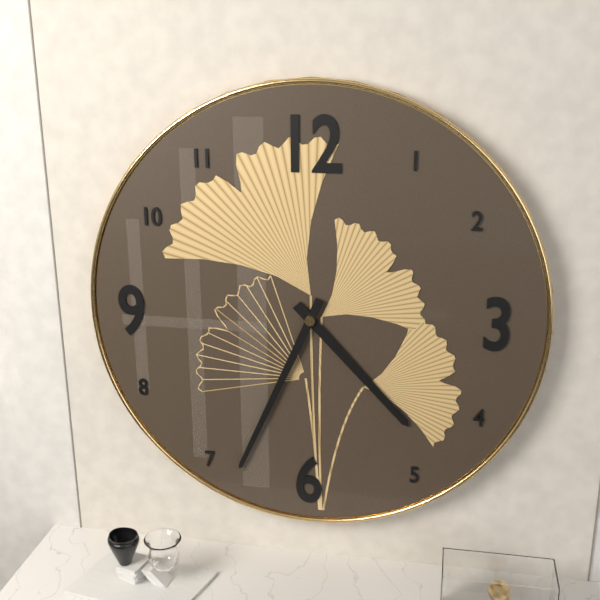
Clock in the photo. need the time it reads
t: 4:34
